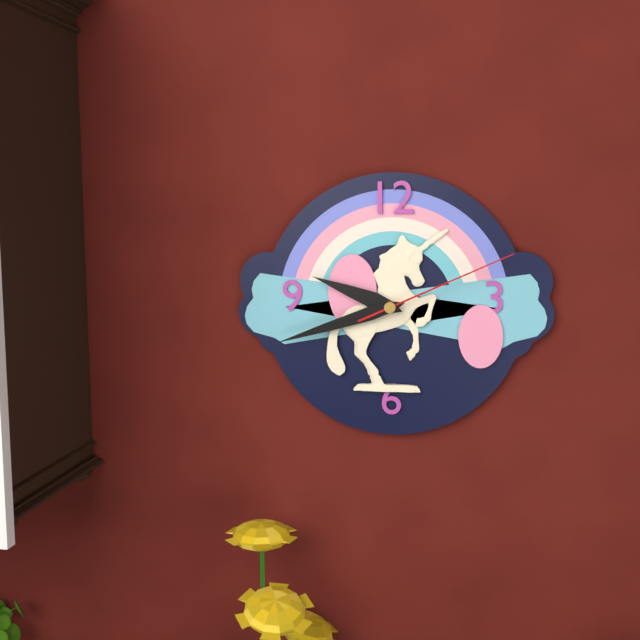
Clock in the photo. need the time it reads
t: 9:42:11
